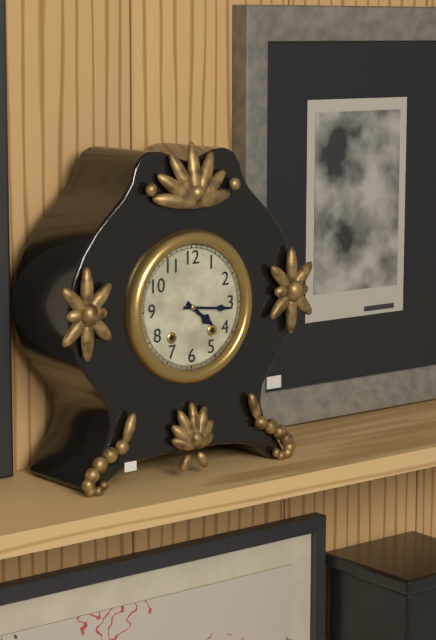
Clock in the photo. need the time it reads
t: 4:16
